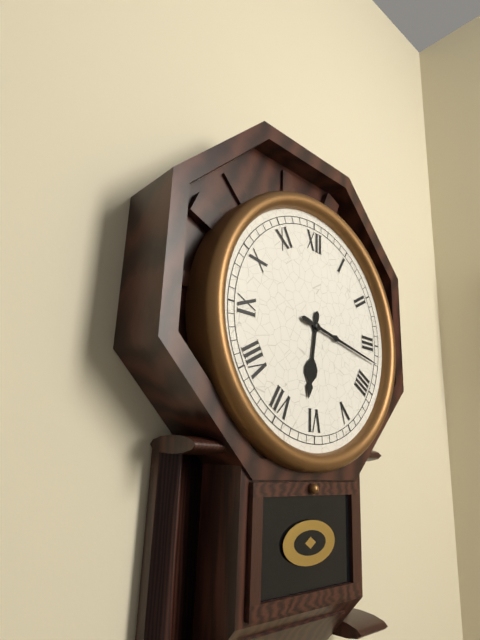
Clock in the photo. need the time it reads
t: 6:17
